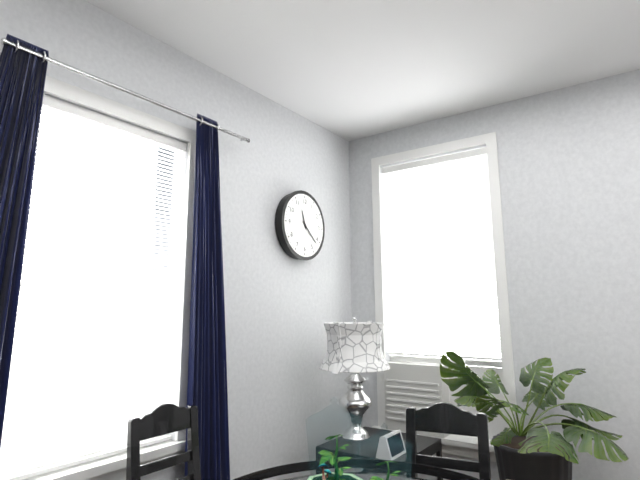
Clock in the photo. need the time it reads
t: 11:22
